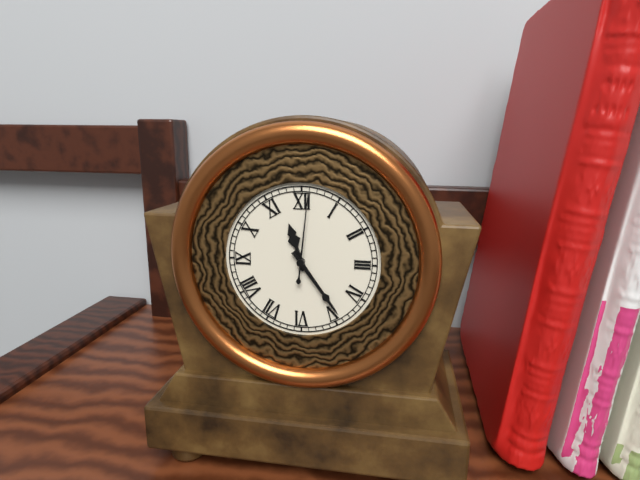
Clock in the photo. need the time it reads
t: 11:24:01
